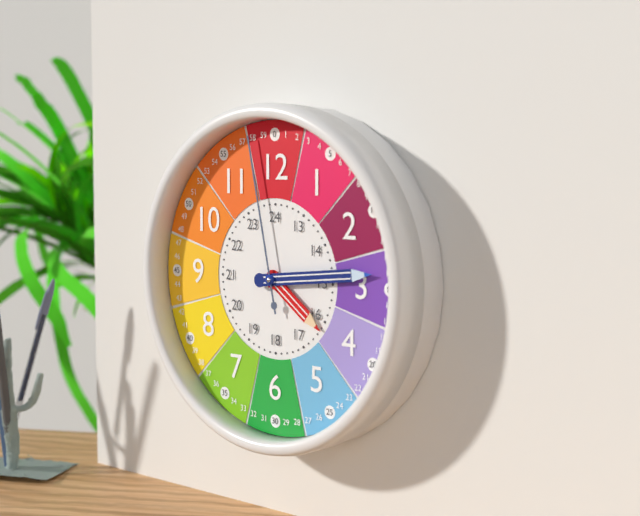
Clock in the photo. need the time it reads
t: 4:14:58
